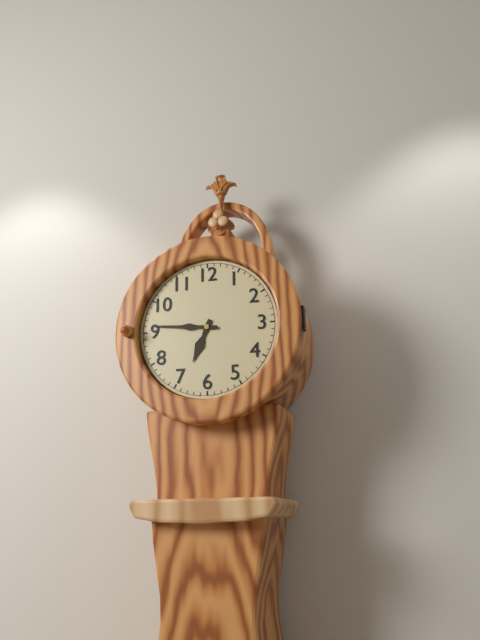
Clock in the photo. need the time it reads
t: 6:46
